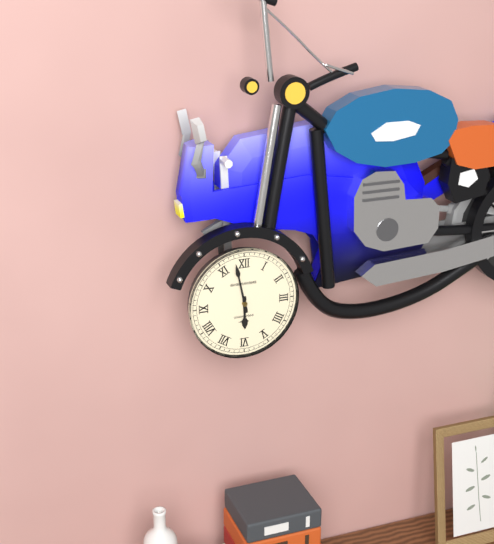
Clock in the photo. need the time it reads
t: 5:58
